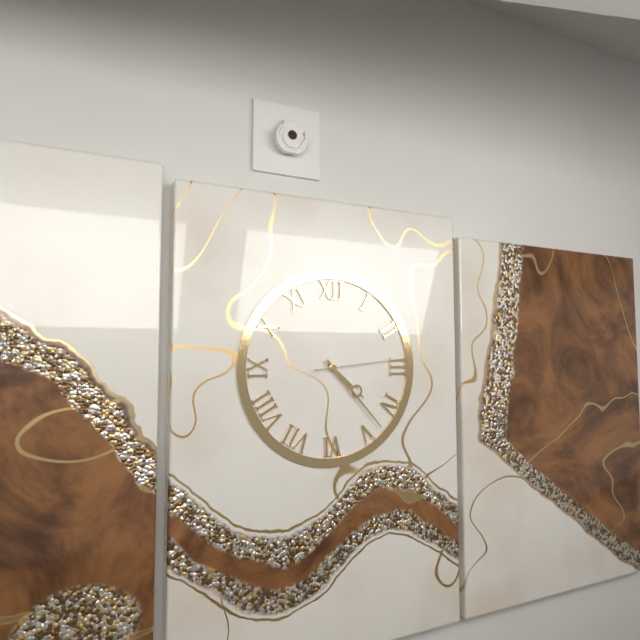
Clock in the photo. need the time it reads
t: 4:23:14
